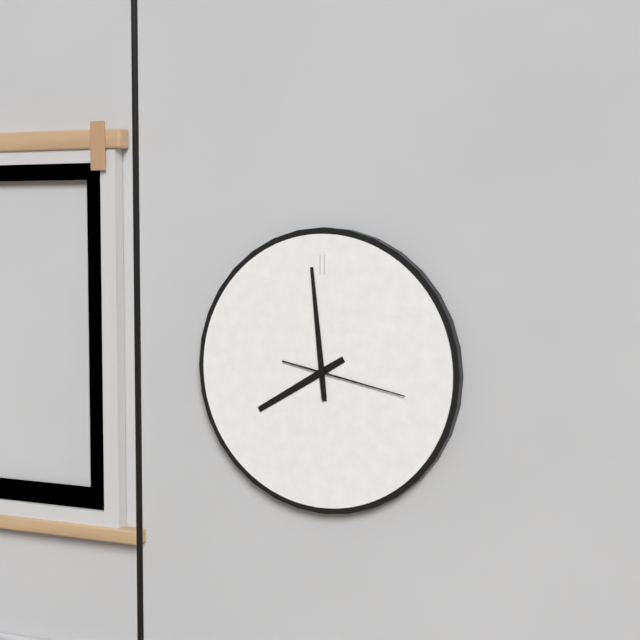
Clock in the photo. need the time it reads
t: 7:59:17
